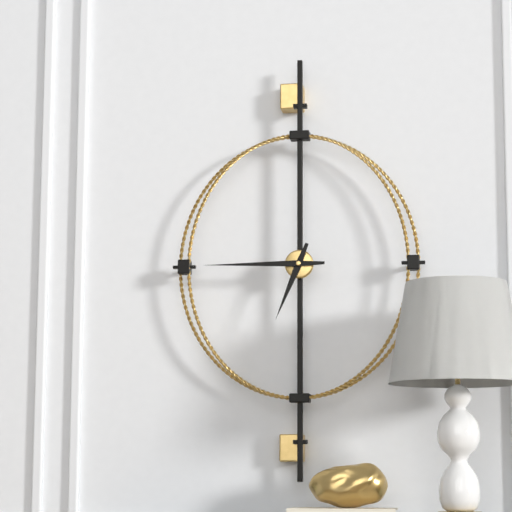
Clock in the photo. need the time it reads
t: 6:45
